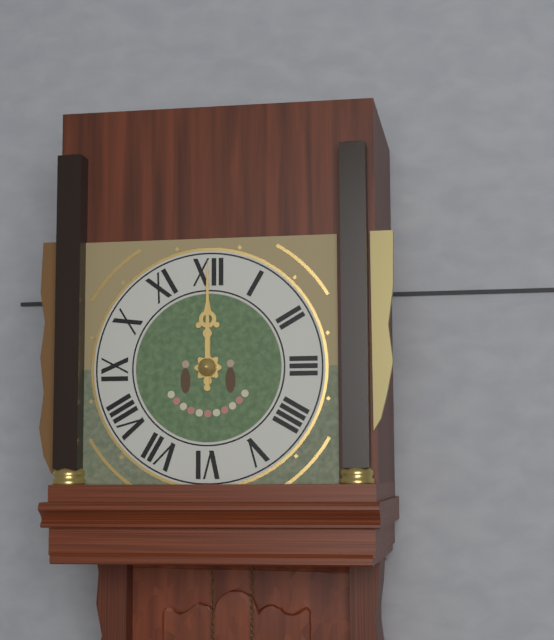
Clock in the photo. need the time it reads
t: 12:00
